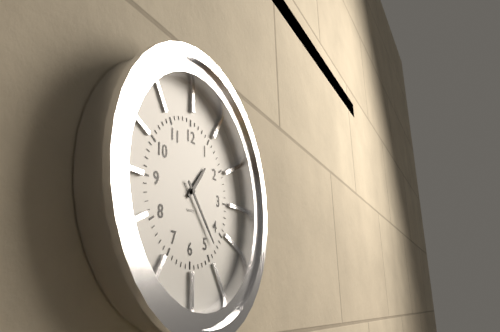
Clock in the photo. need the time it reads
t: 1:23
